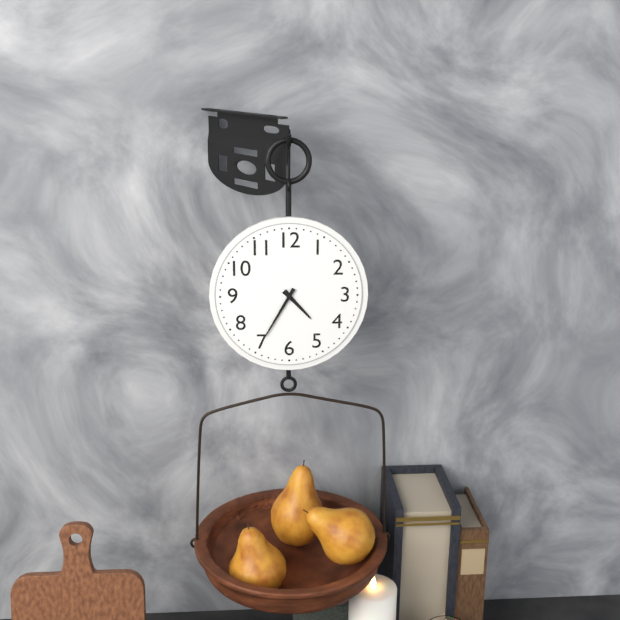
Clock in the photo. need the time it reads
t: 4:35
